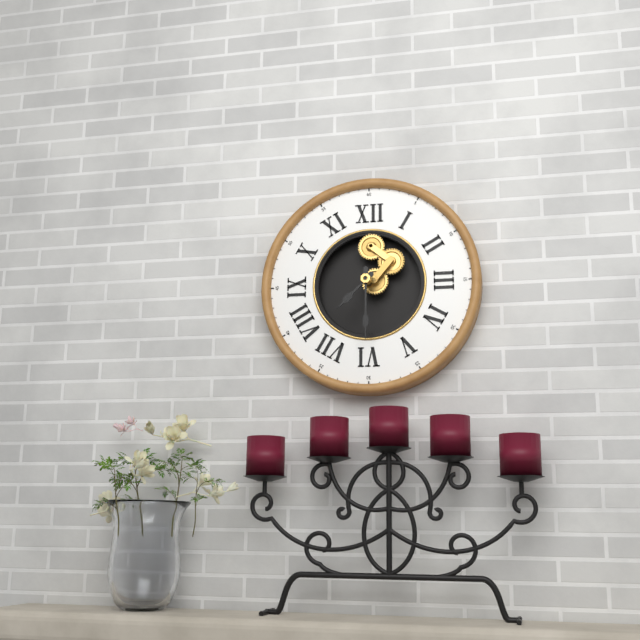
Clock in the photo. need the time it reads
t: 7:30
